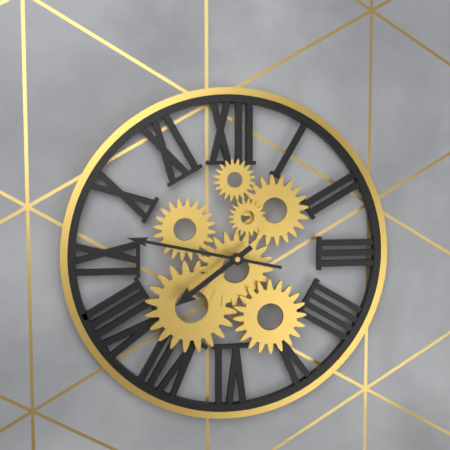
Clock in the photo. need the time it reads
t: 7:47
